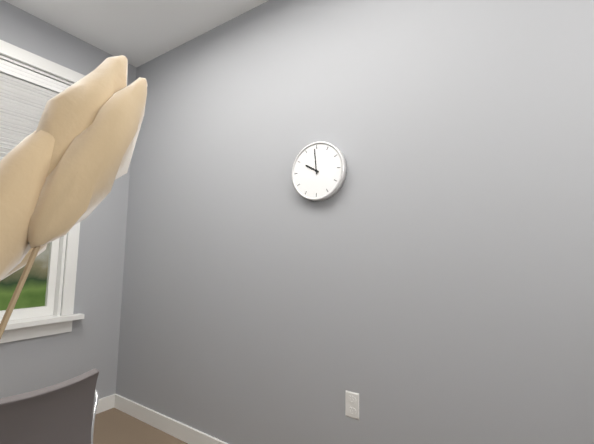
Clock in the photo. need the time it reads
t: 9:59
